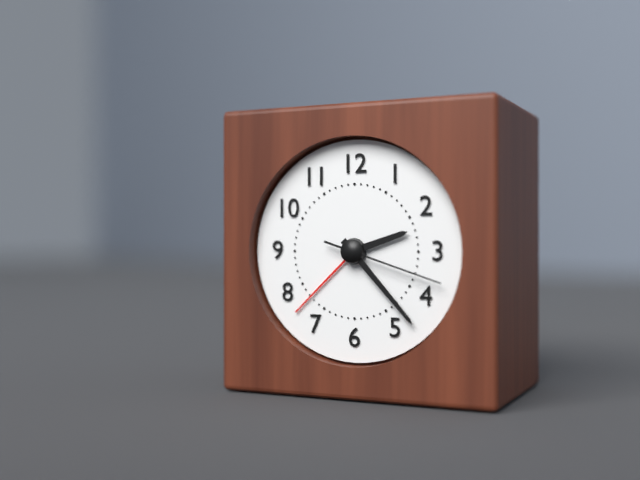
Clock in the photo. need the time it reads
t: 2:23:18
